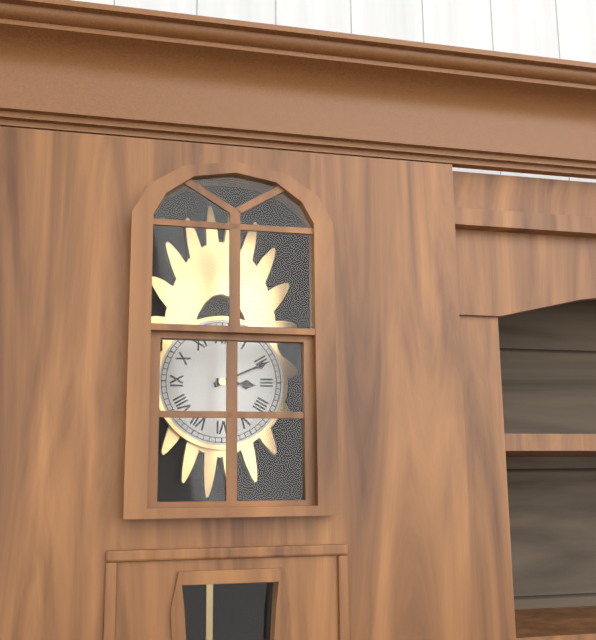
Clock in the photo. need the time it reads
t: 3:11
